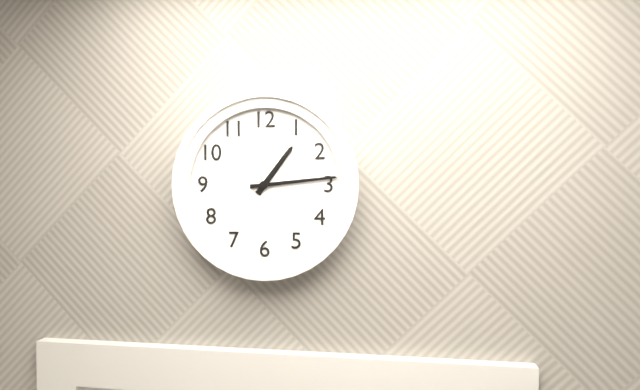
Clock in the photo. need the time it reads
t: 1:14
